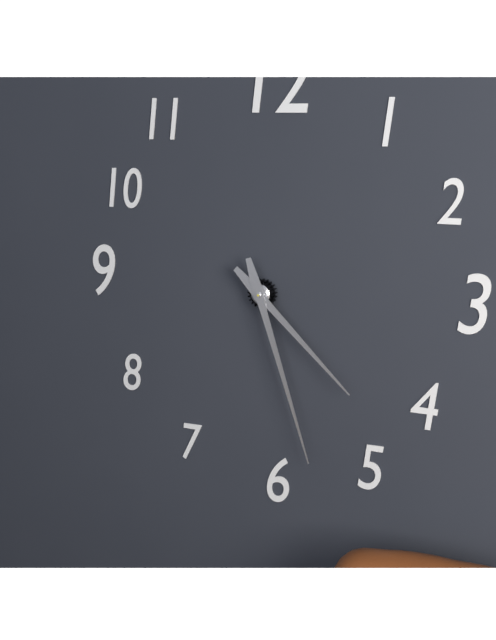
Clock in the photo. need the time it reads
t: 4:27
